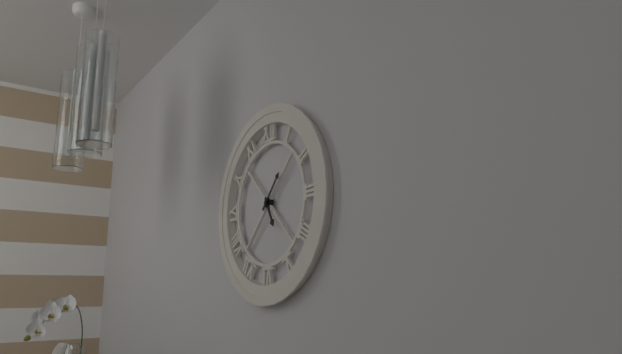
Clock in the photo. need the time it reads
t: 5:07
